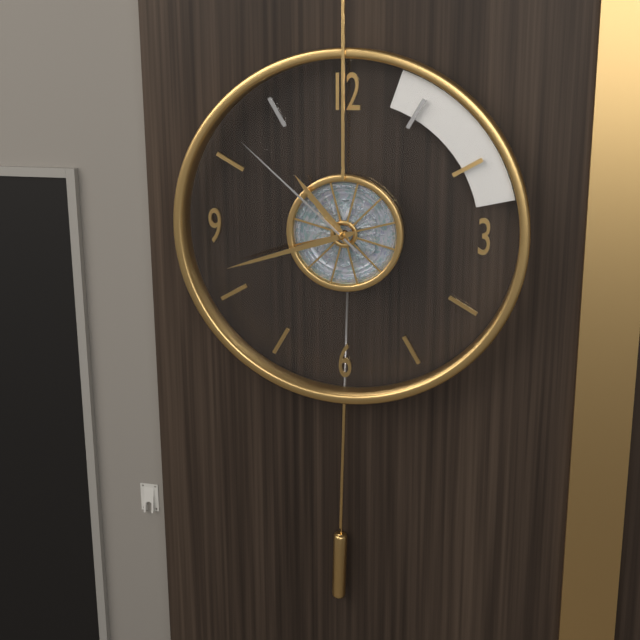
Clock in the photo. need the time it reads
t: 10:42:52
